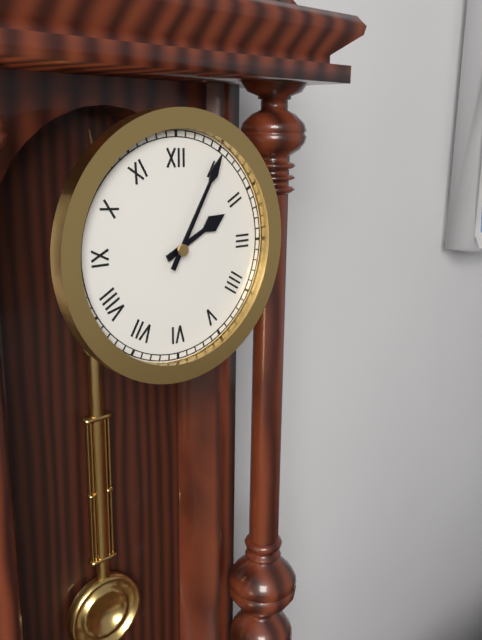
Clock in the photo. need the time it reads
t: 2:05
